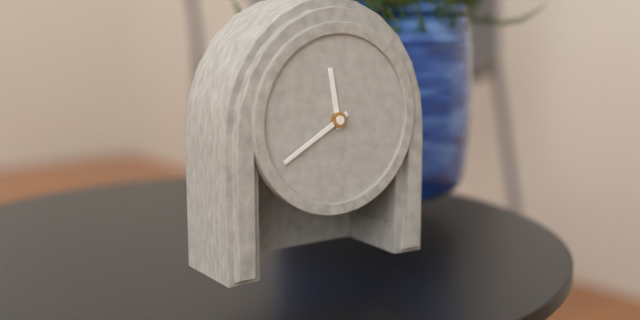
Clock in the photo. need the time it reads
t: 11:40
